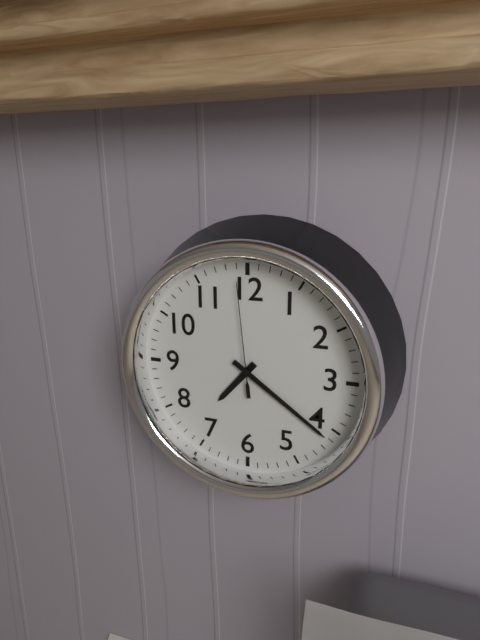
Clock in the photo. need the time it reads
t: 7:21:59
